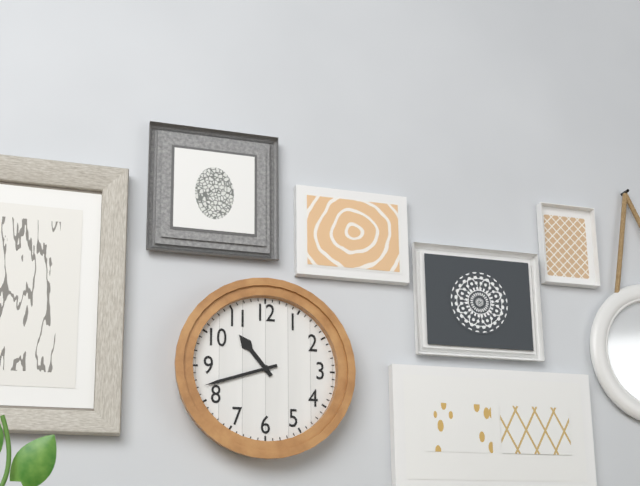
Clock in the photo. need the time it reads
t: 10:42
